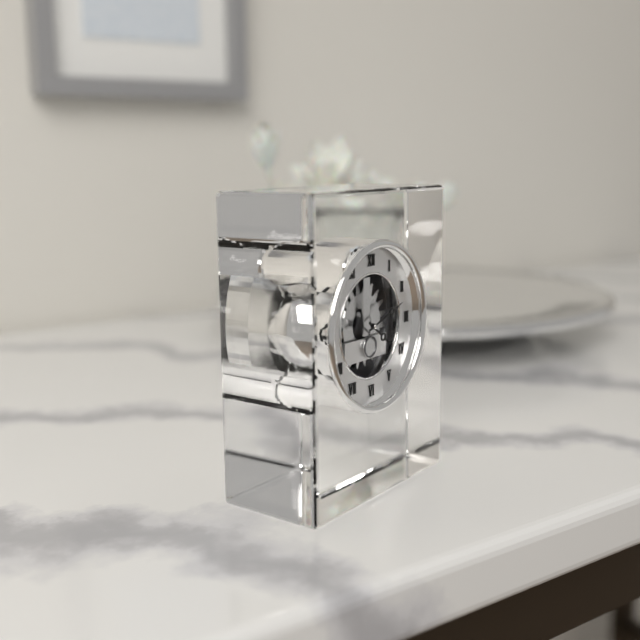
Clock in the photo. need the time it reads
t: 4:12
